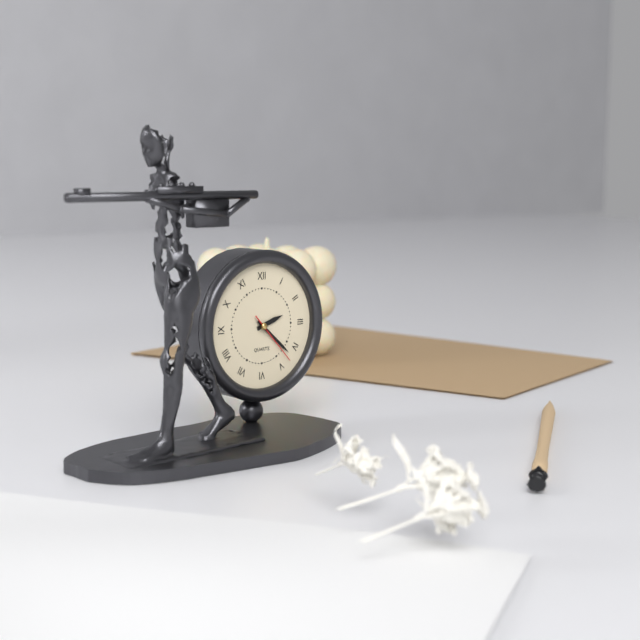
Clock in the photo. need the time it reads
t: 2:22:23
